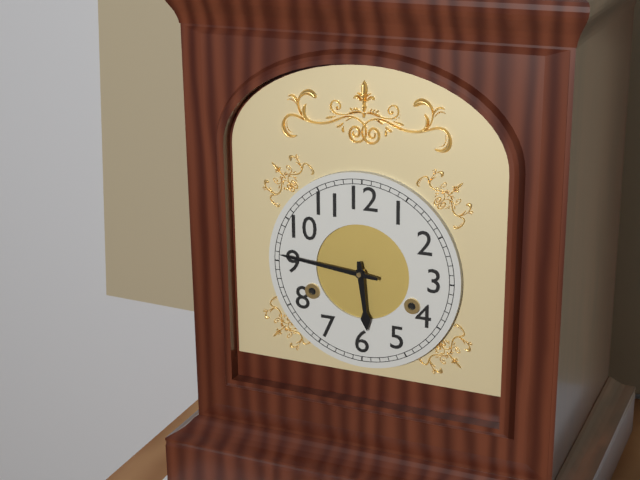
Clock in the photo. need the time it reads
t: 5:46
